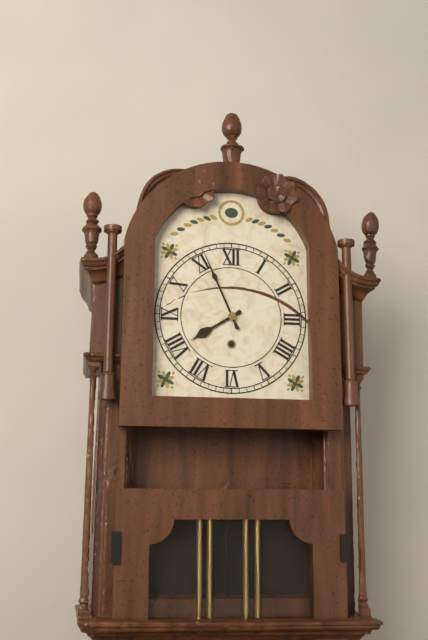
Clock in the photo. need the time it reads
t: 7:56
